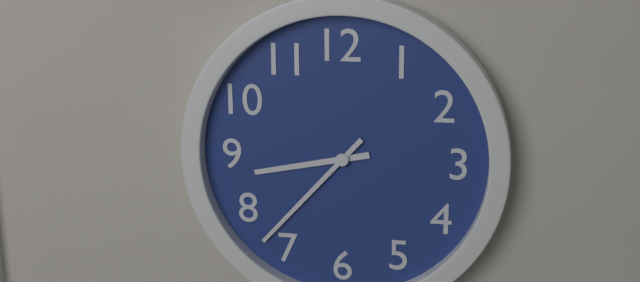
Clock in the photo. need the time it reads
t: 8:37
